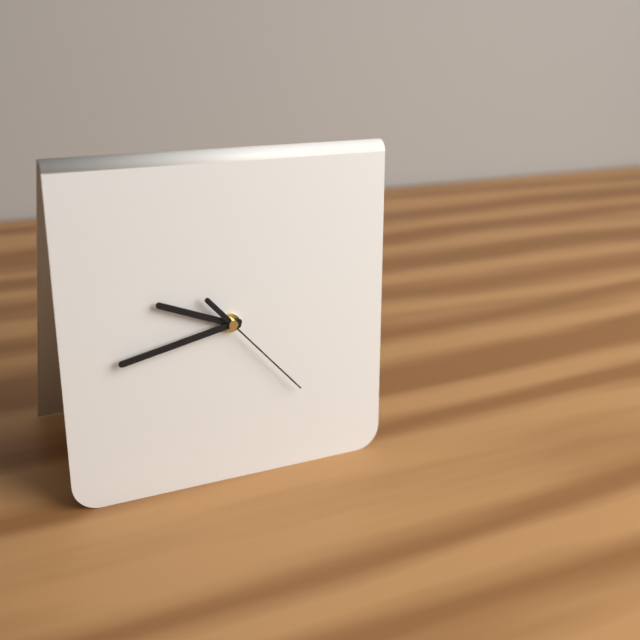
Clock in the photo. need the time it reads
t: 9:43:23
